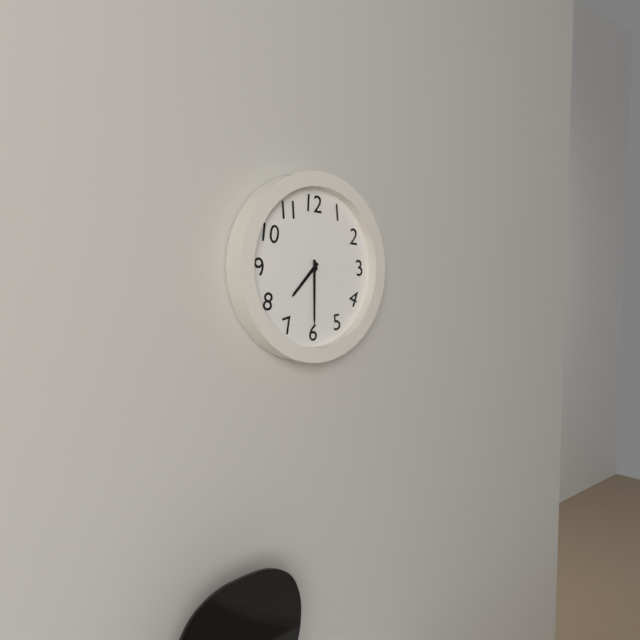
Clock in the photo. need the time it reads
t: 7:30
